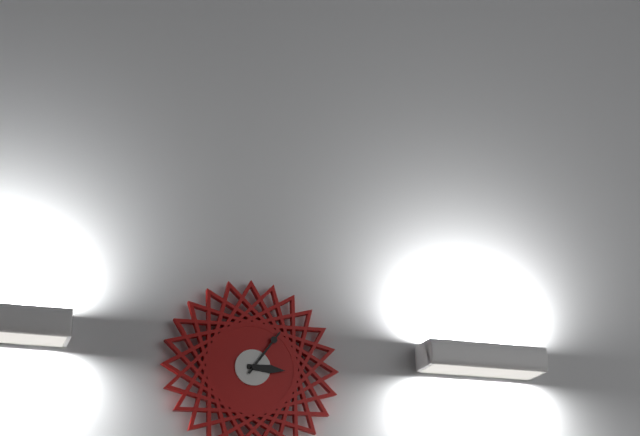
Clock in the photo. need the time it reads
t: 3:06
